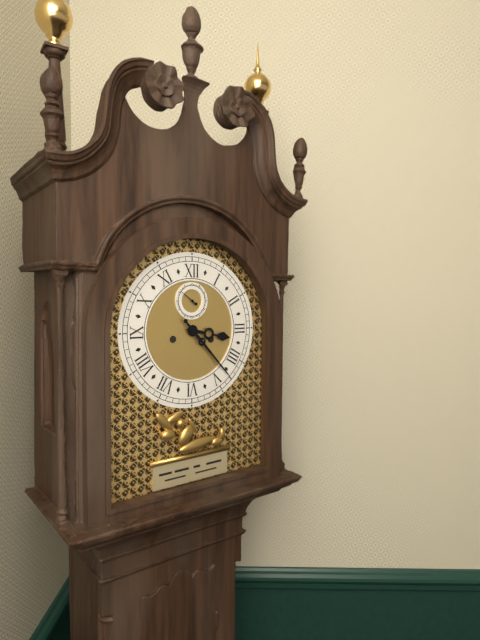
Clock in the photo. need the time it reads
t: 3:23
